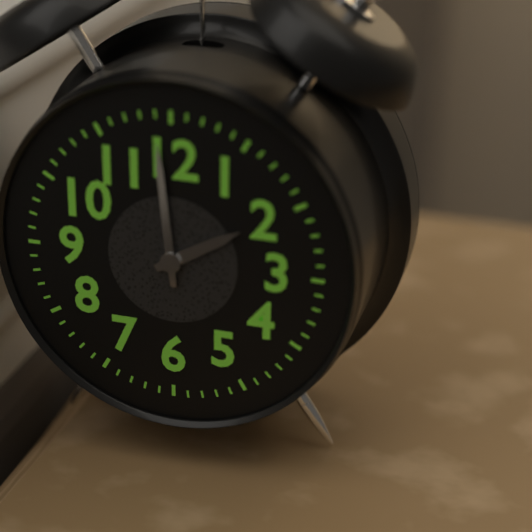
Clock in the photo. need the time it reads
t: 1:59
